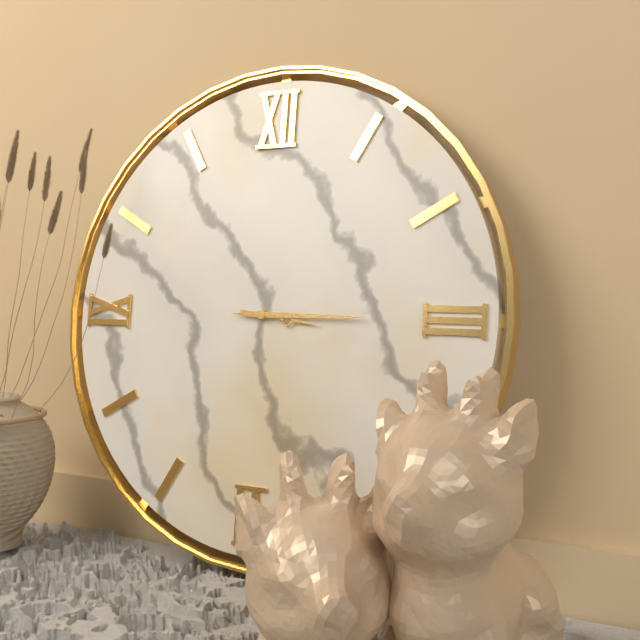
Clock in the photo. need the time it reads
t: 3:15
